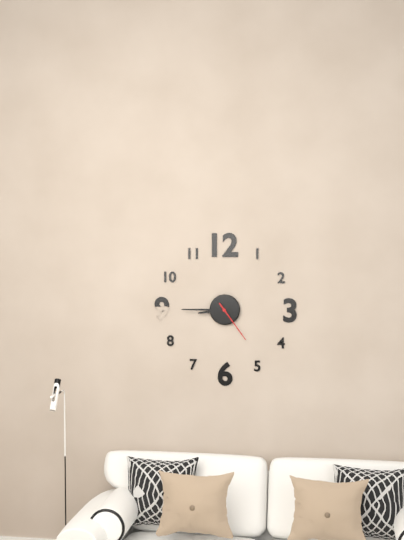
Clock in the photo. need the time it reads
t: 8:45
